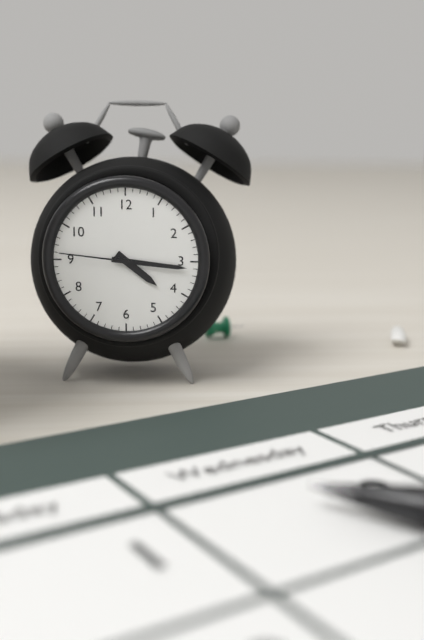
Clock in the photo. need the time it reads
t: 4:16:46
